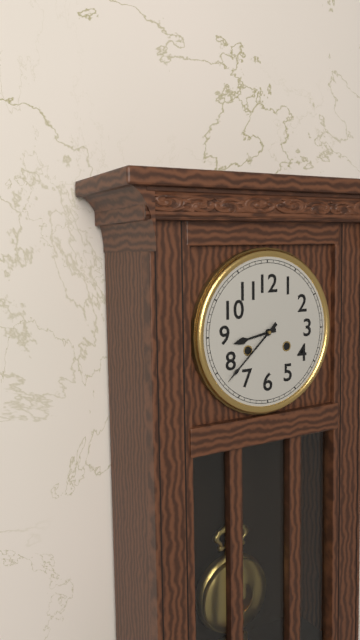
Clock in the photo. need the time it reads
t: 8:38
